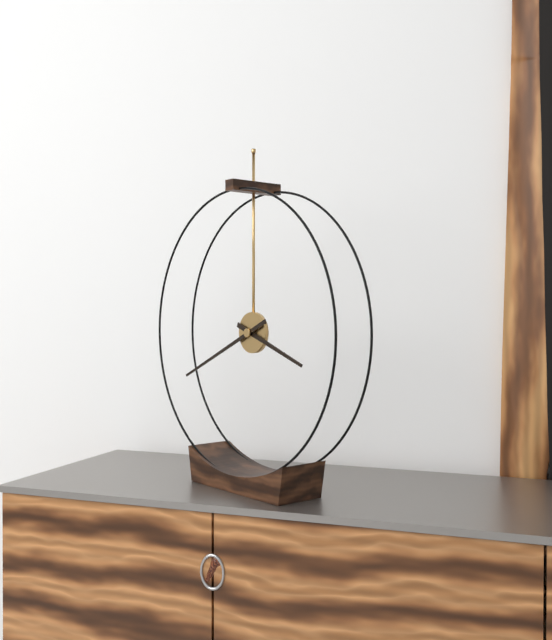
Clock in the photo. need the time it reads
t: 3:41
